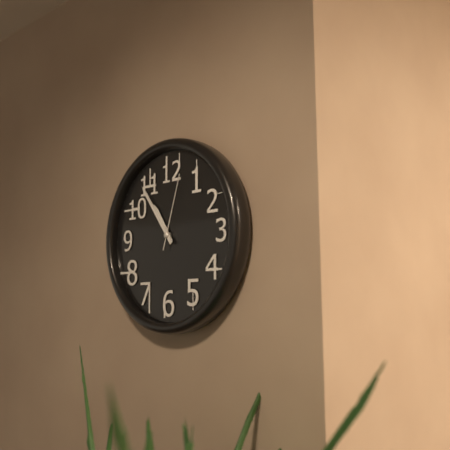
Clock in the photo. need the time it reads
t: 10:54:03
